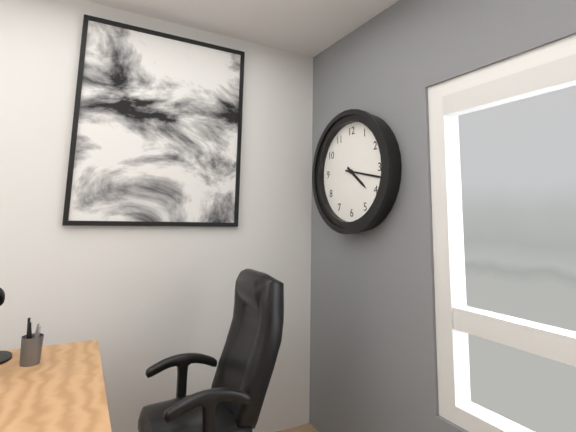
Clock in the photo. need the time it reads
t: 4:17
